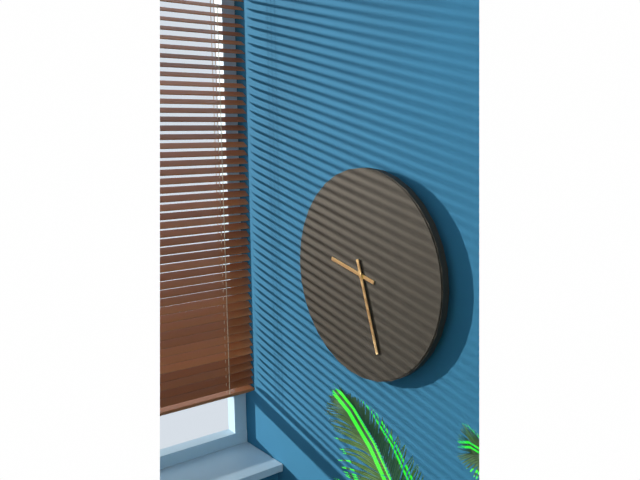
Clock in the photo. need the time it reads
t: 9:27
